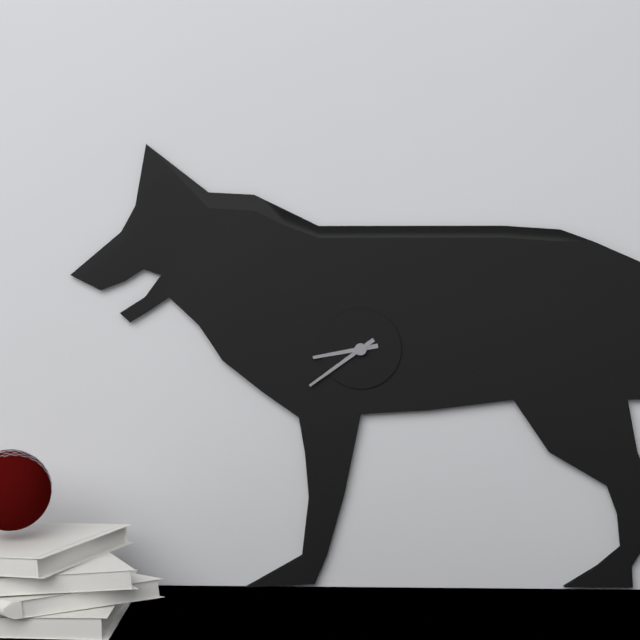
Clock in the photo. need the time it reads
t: 8:39
